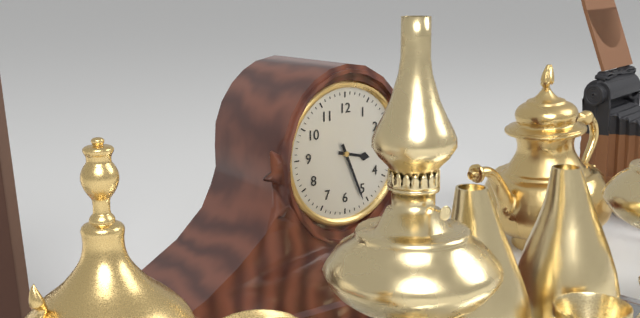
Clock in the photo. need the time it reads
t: 3:26
